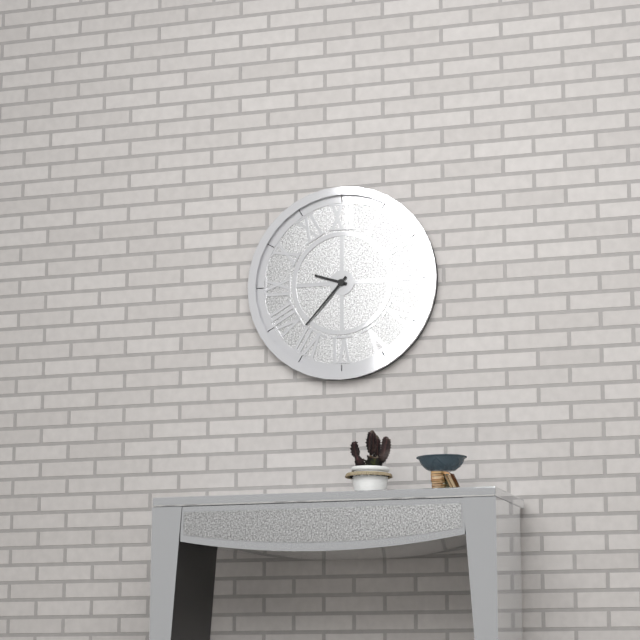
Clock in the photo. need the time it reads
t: 9:37
